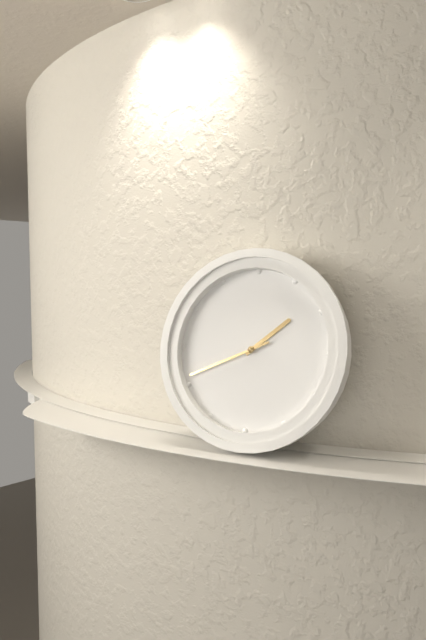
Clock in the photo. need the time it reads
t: 1:41
